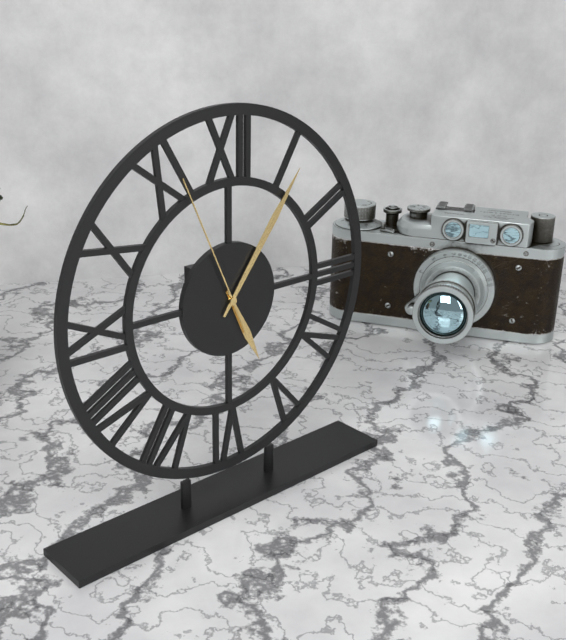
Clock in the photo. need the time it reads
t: 5:06:56
